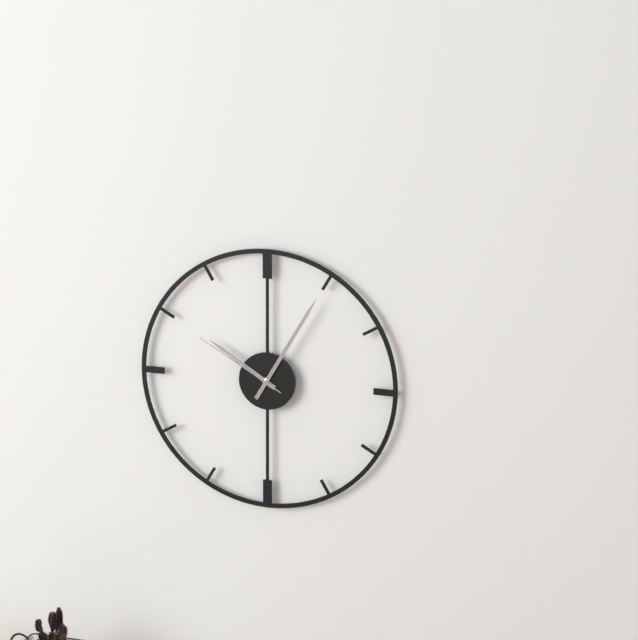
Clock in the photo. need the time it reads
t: 10:05:50
